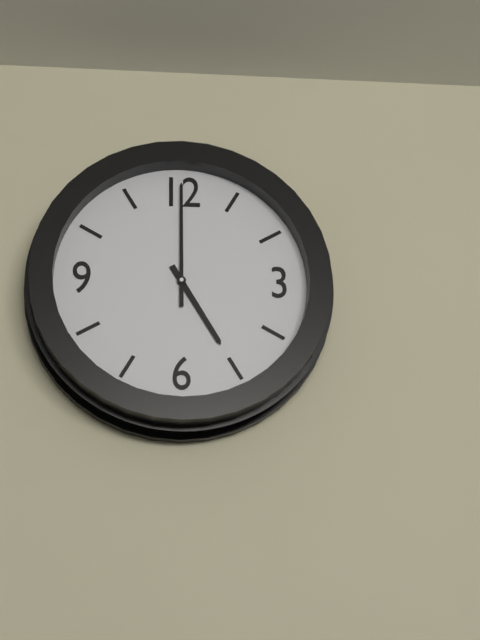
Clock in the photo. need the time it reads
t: 5:00
